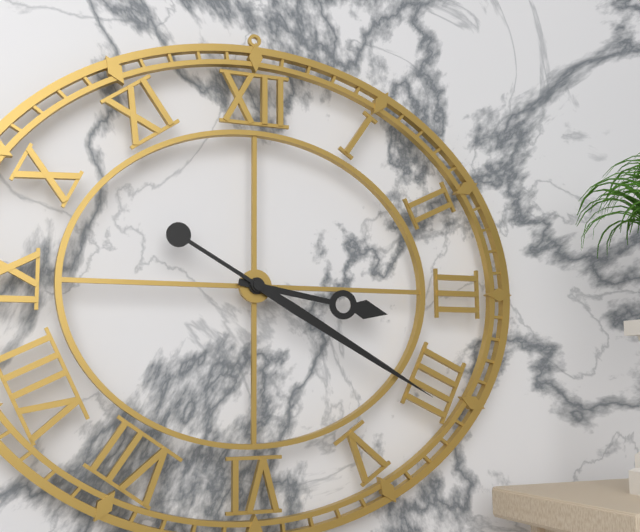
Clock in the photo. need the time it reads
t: 3:20
